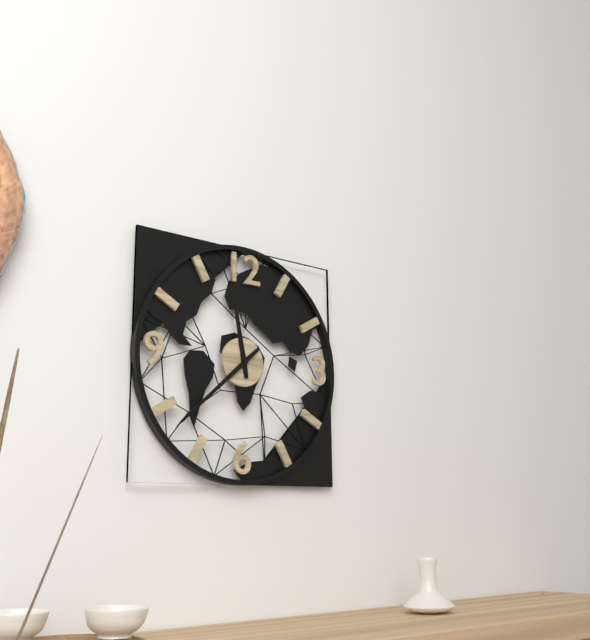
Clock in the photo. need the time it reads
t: 11:38
